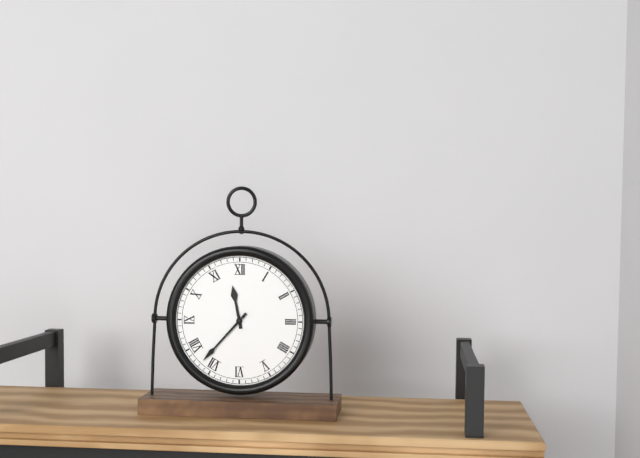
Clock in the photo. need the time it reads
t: 11:37
